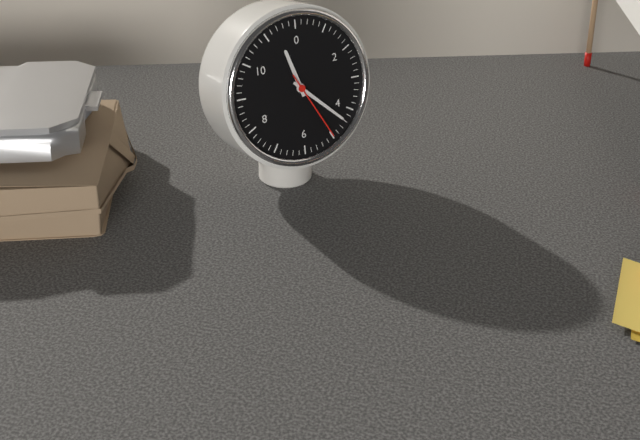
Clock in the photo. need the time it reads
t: 11:22:25
